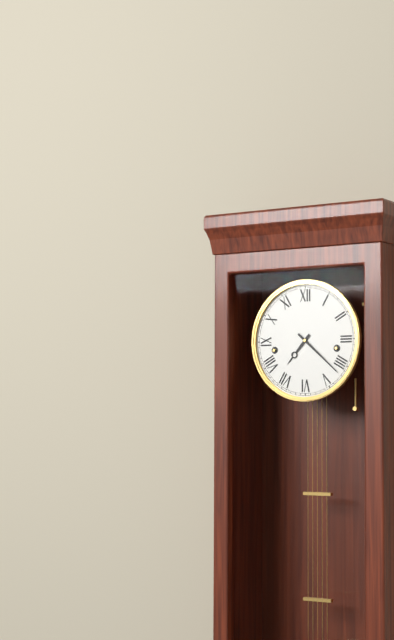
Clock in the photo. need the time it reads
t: 7:22
